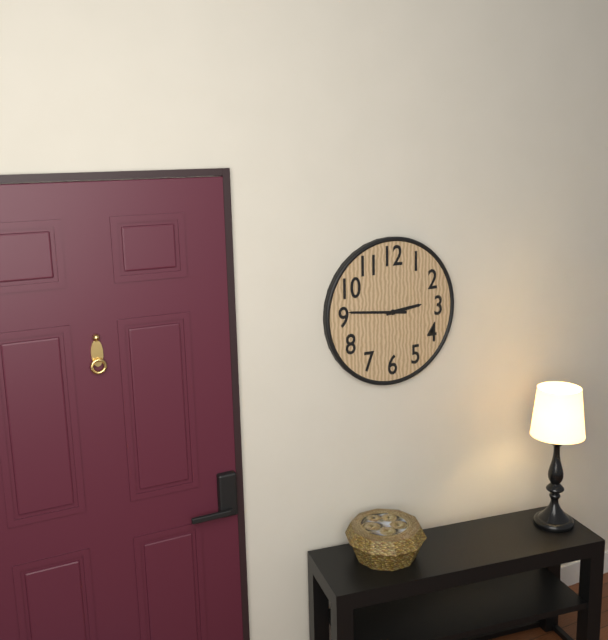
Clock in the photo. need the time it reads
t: 2:46
